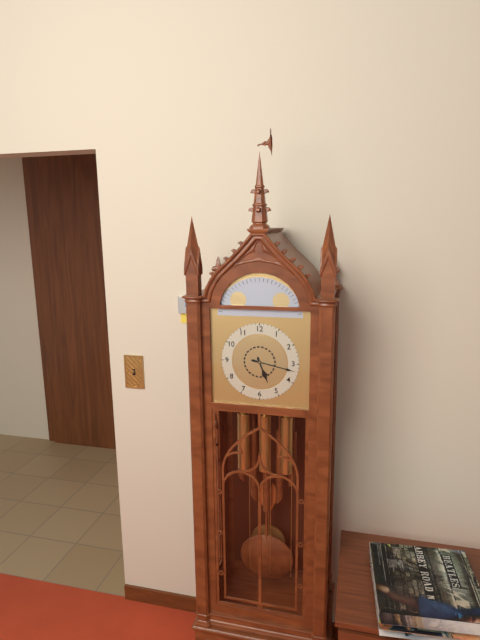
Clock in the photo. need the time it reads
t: 5:17
